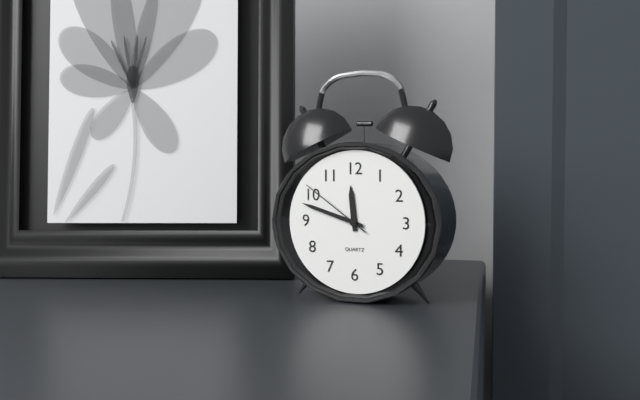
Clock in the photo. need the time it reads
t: 11:48:51
